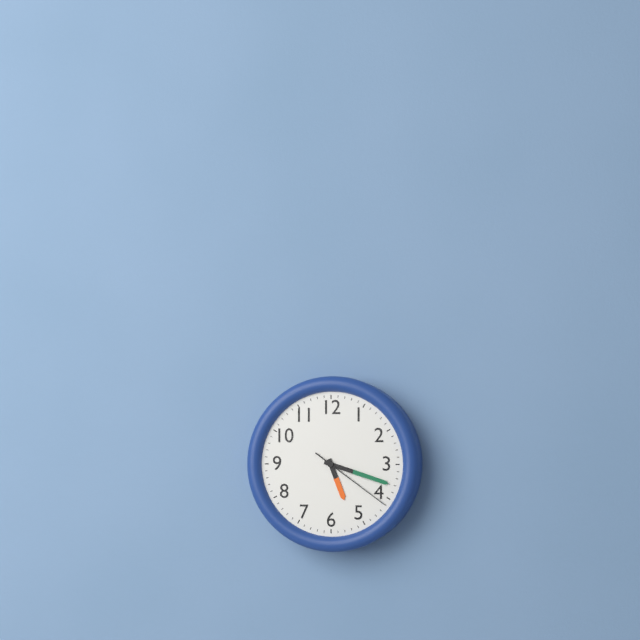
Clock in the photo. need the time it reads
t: 5:18:21
